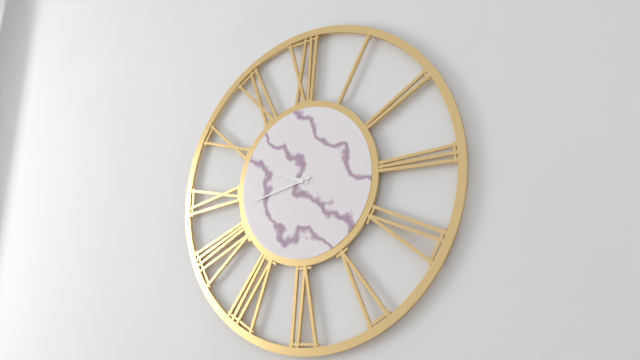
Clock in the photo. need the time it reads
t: 9:43
